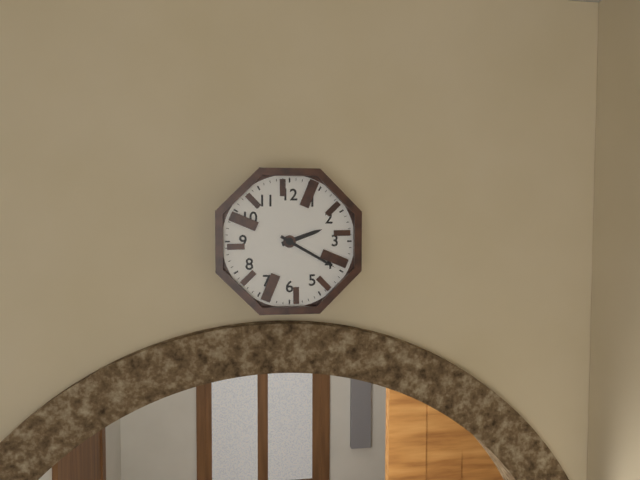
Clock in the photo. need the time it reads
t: 2:20
